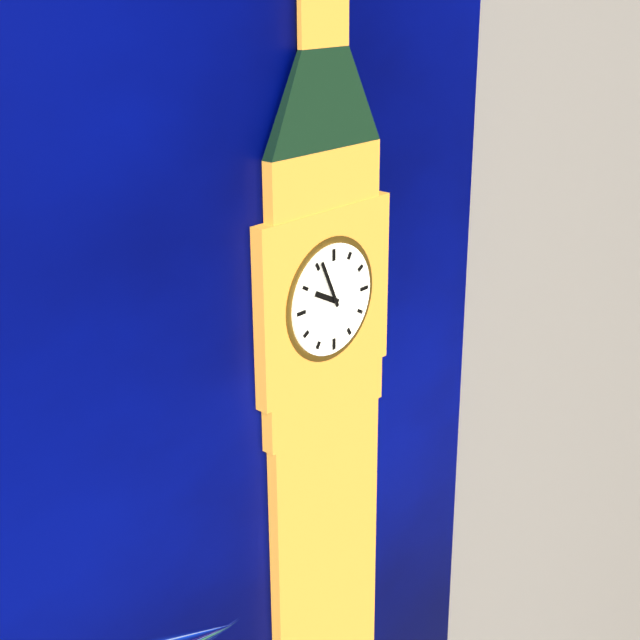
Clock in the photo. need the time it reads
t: 9:56
